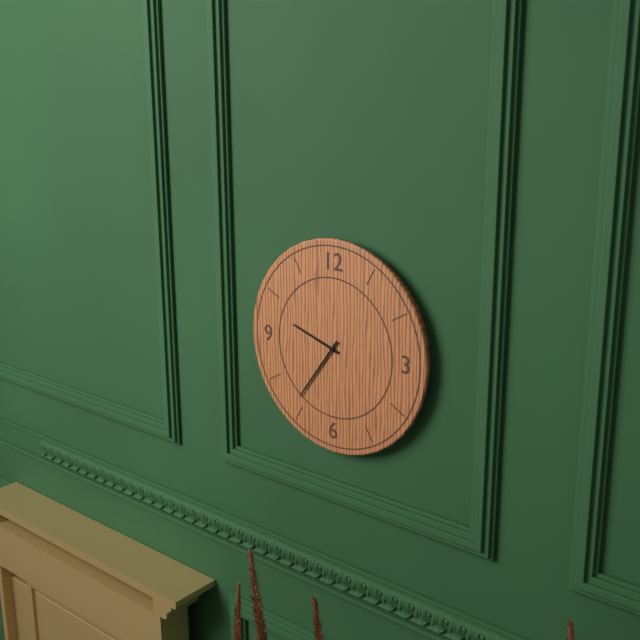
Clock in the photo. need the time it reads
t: 9:36
